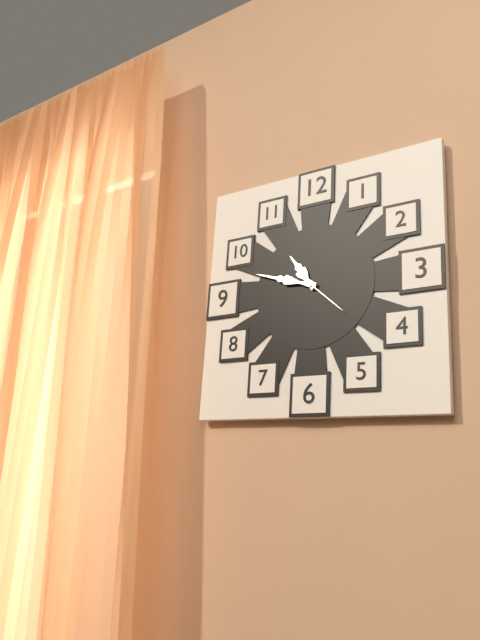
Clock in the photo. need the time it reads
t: 10:48
